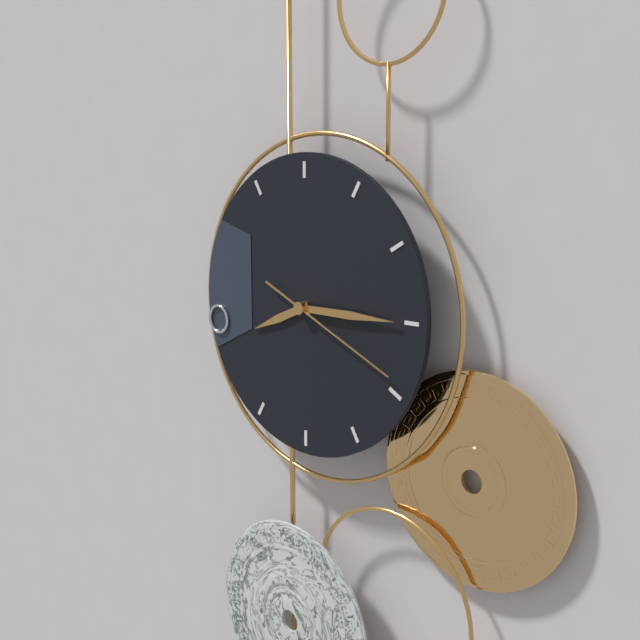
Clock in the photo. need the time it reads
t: 8:15:19
